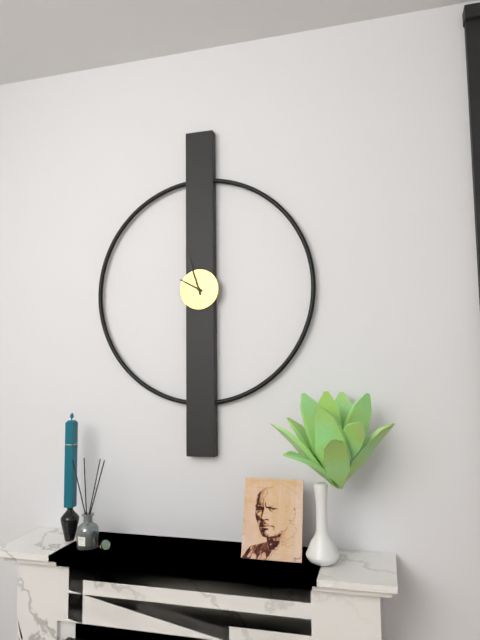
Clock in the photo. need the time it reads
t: 9:57
